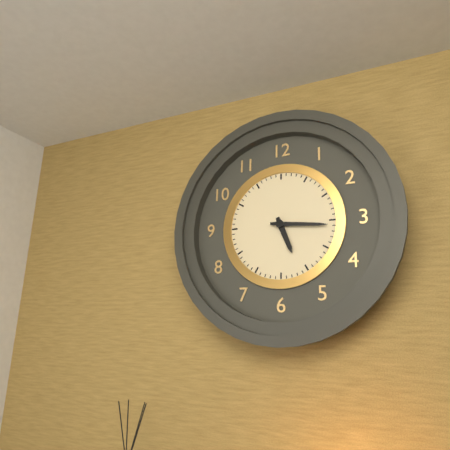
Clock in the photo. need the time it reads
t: 5:16
